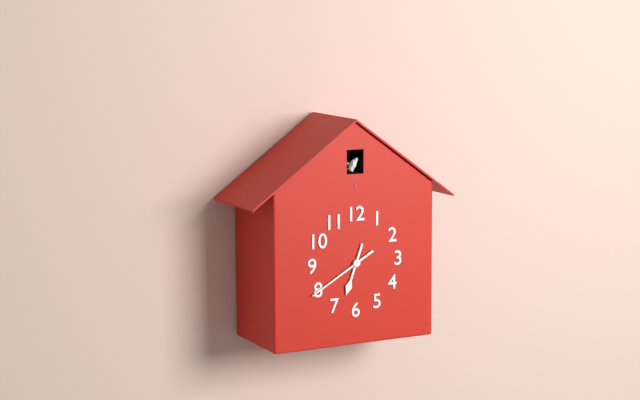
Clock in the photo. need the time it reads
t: 6:40
